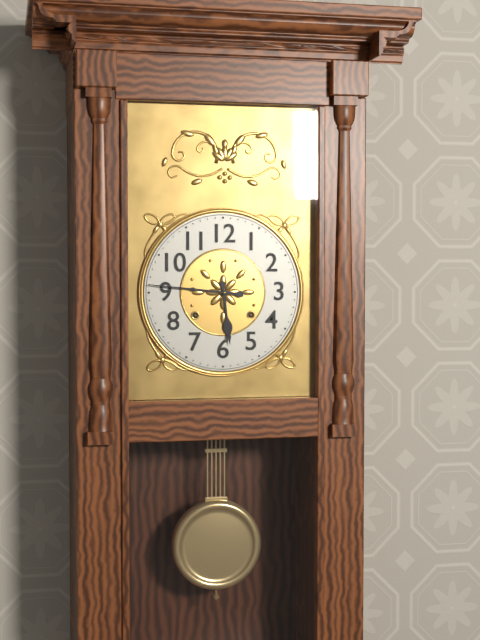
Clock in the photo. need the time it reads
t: 5:46
